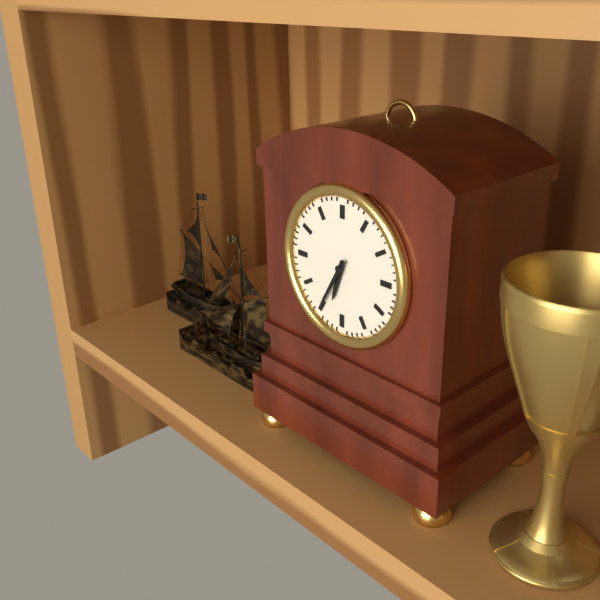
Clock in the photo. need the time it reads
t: 6:35
